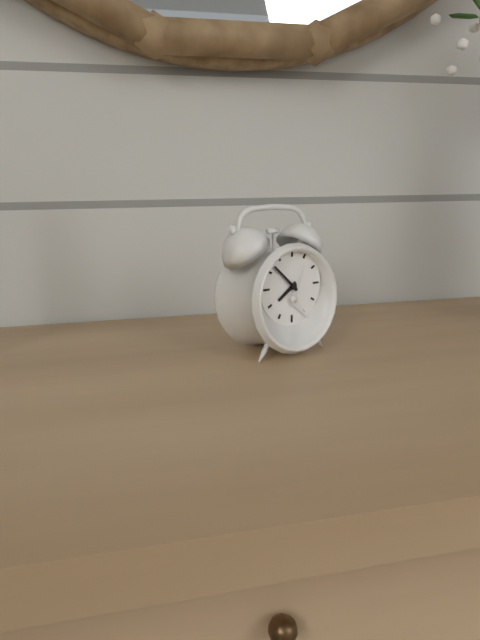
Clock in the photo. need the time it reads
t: 7:52
